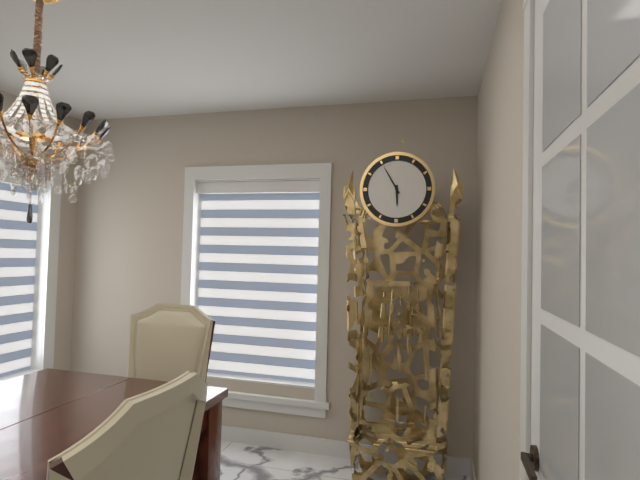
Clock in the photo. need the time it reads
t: 5:55
